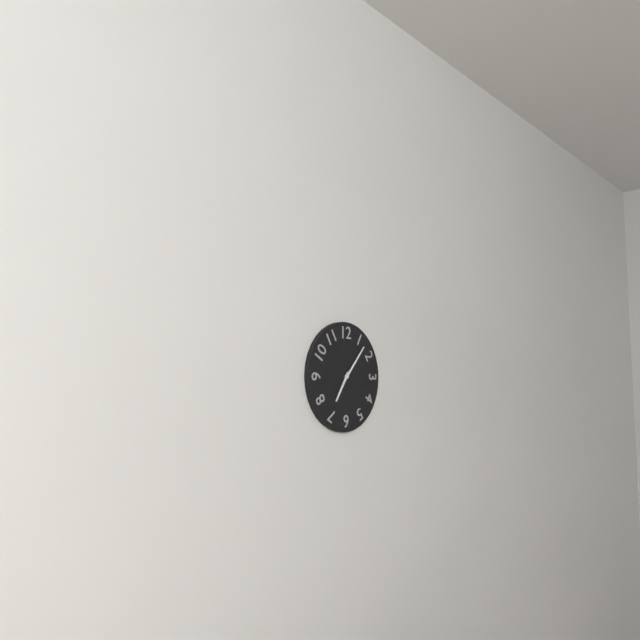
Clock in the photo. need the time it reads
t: 7:07
